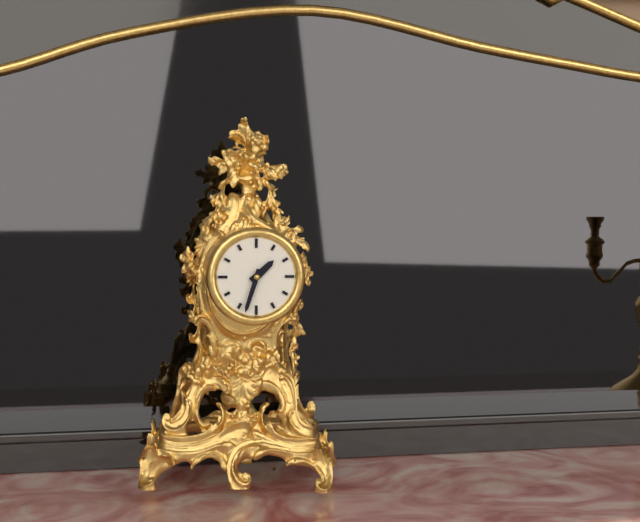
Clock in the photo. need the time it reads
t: 1:33
